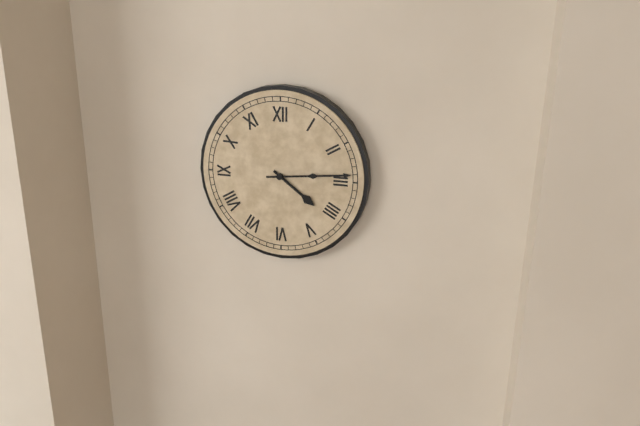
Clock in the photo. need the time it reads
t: 4:14
